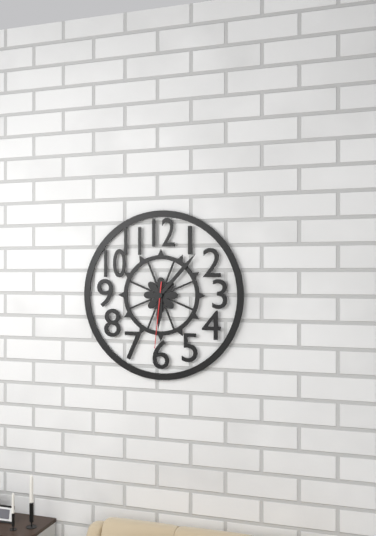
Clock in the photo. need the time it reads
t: 6:07:31
